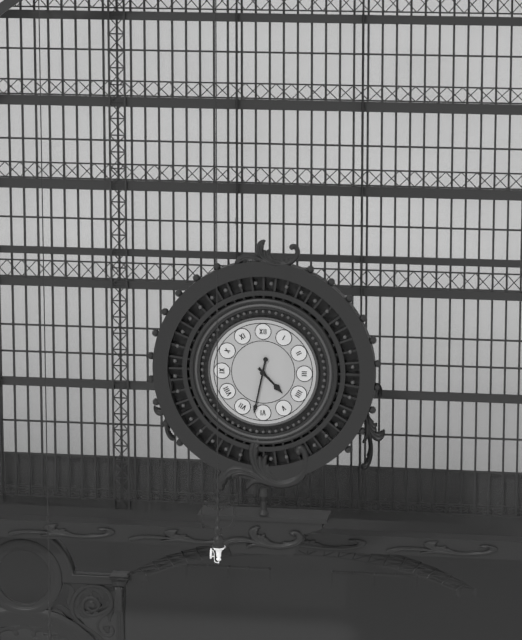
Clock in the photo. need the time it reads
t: 4:32
